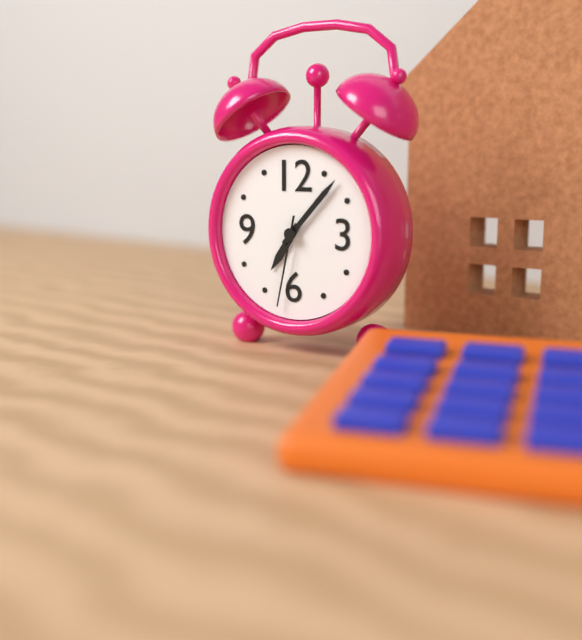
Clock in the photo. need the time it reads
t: 7:07:32
